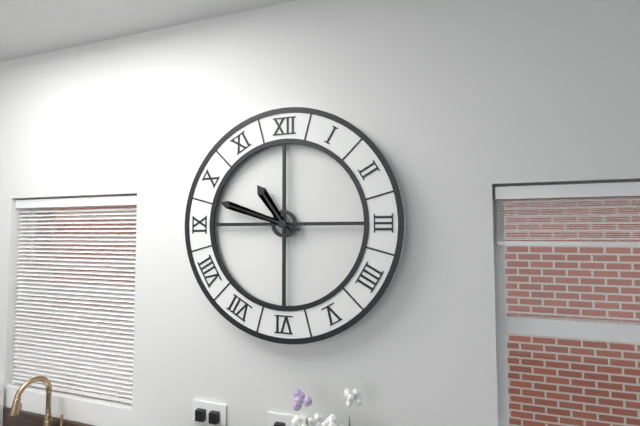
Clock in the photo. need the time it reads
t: 10:48
